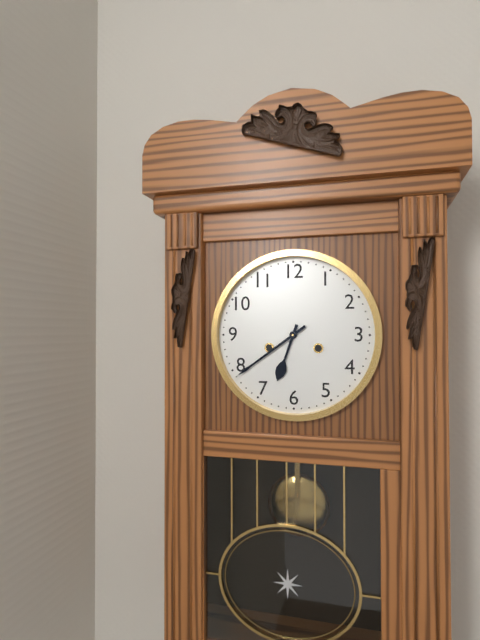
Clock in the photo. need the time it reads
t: 6:39
